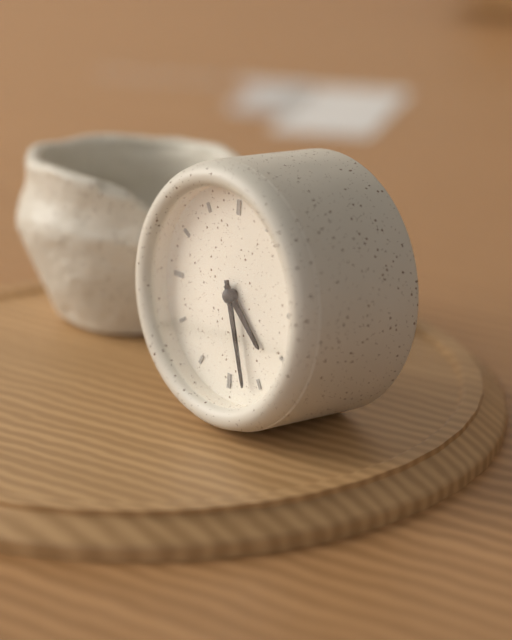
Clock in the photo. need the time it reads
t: 4:27
